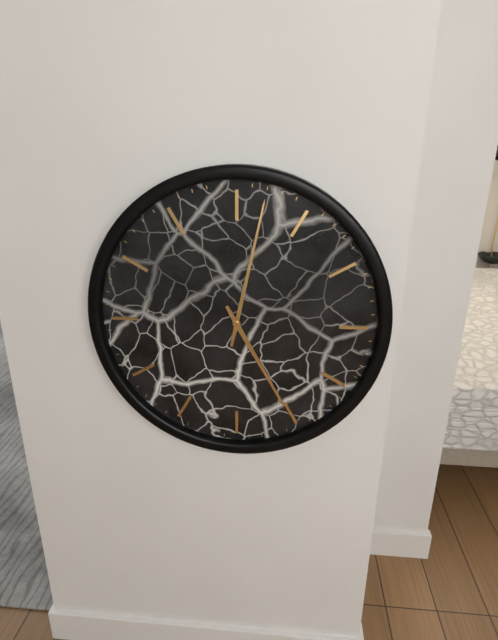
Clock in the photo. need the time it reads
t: 5:02
